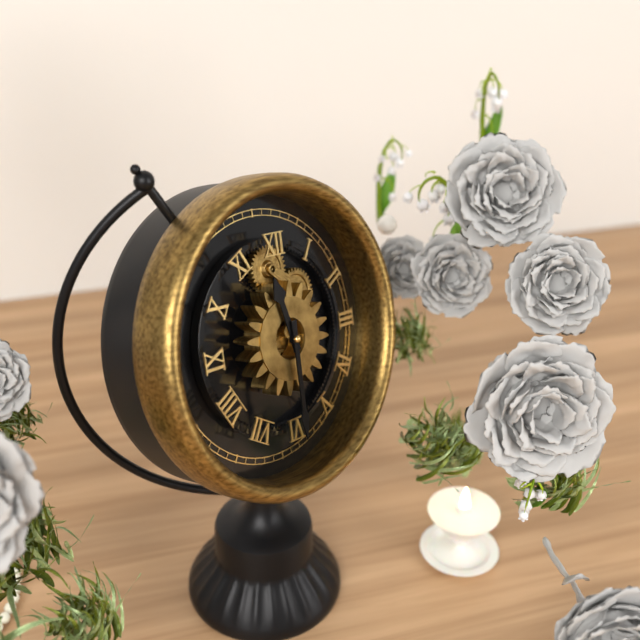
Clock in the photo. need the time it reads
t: 11:30
